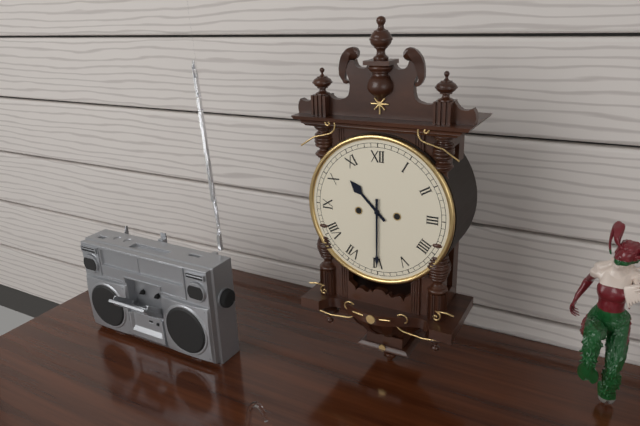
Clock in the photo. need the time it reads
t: 10:30
